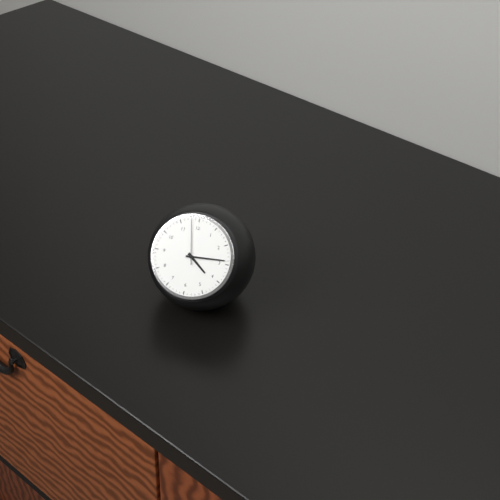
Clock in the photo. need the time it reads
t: 4:14
